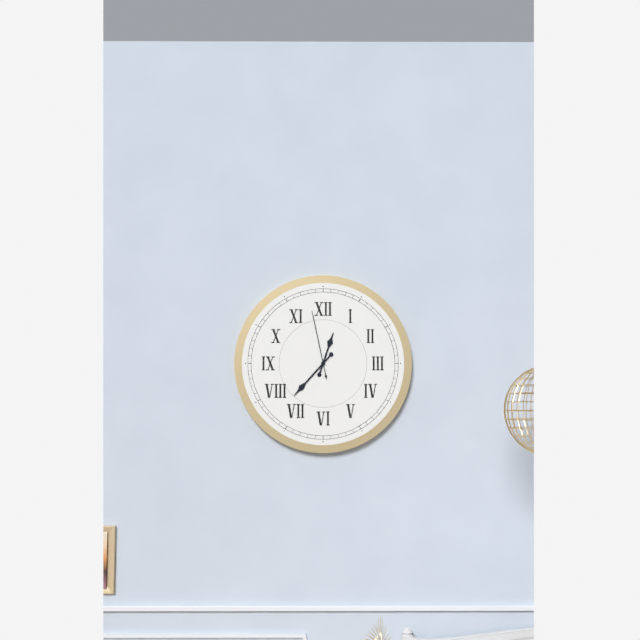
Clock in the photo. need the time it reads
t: 12:37:58
